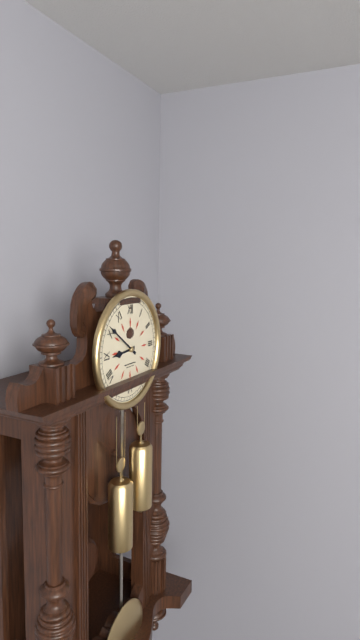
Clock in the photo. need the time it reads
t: 8:51
